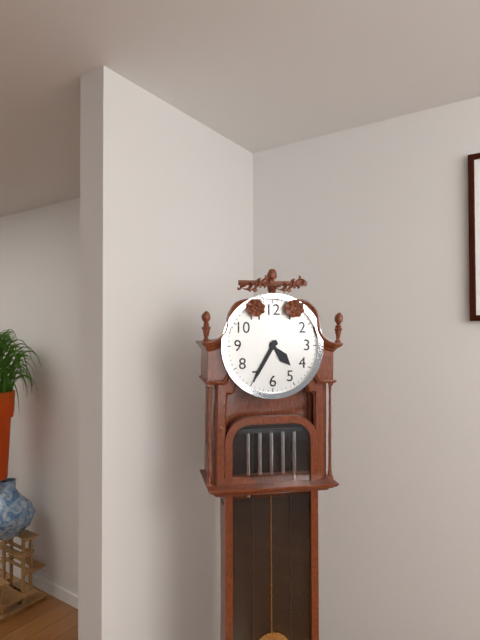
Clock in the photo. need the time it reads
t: 4:35
